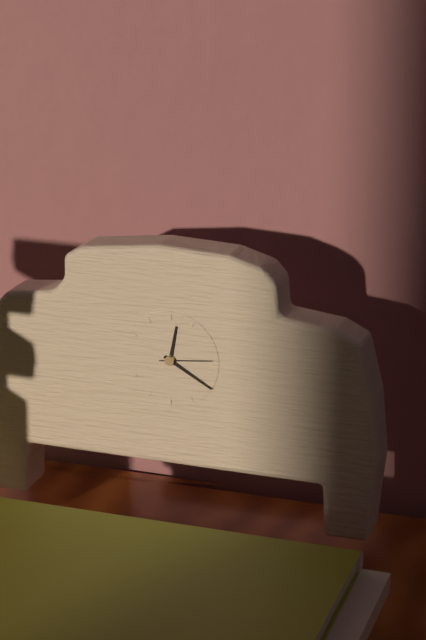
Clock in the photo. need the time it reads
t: 12:20:14
